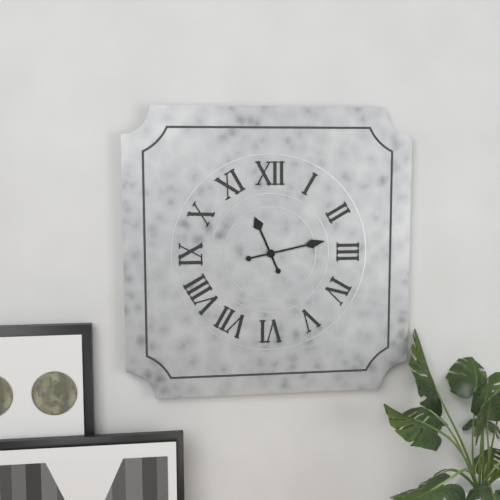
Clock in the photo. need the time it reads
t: 11:13
